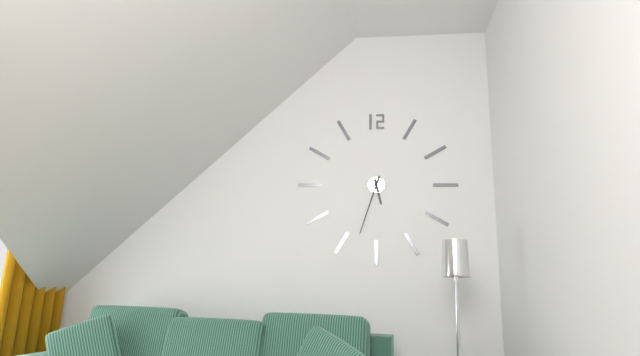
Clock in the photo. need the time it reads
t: 5:33
